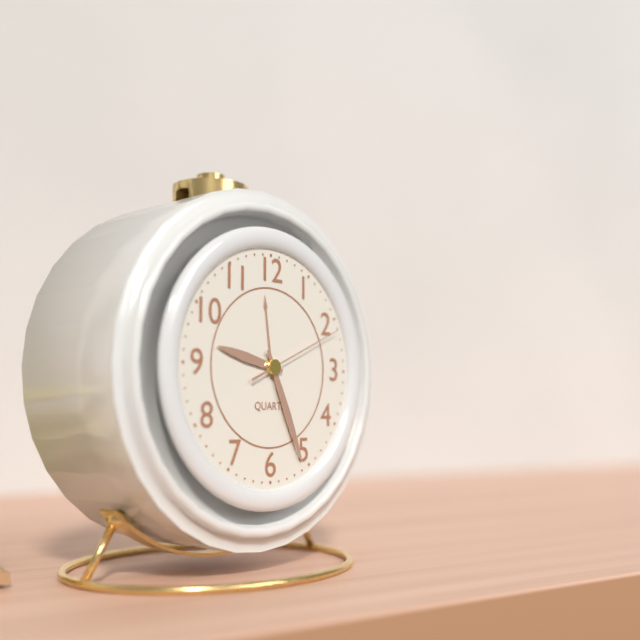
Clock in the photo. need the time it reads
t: 9:26:11
